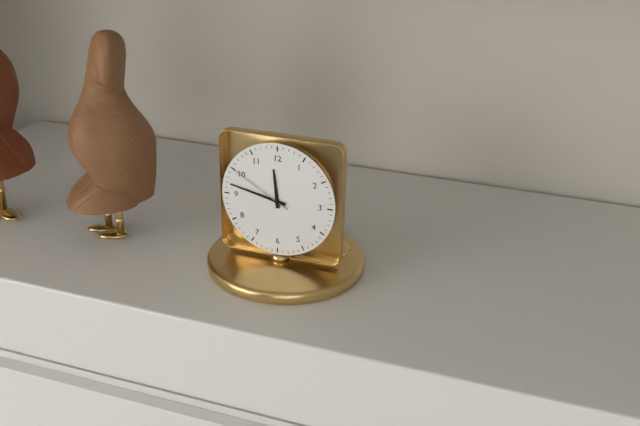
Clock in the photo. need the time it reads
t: 11:47:50
